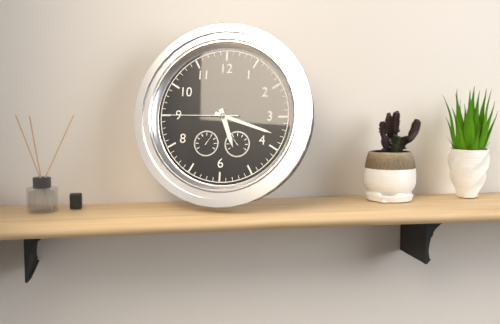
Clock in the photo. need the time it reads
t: 5:18:45
